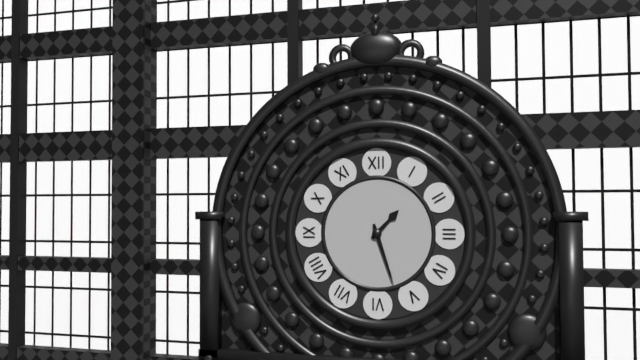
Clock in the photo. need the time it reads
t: 1:27
